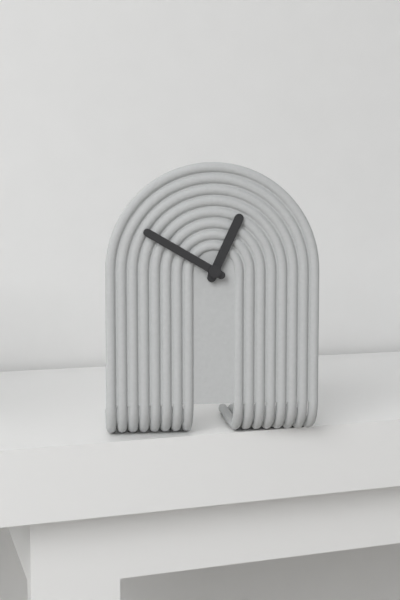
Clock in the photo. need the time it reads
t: 12:50
